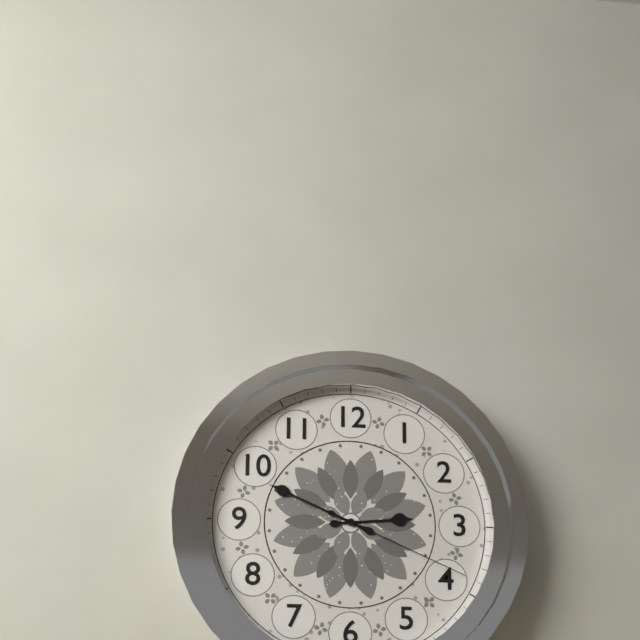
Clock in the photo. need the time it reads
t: 2:49:19
